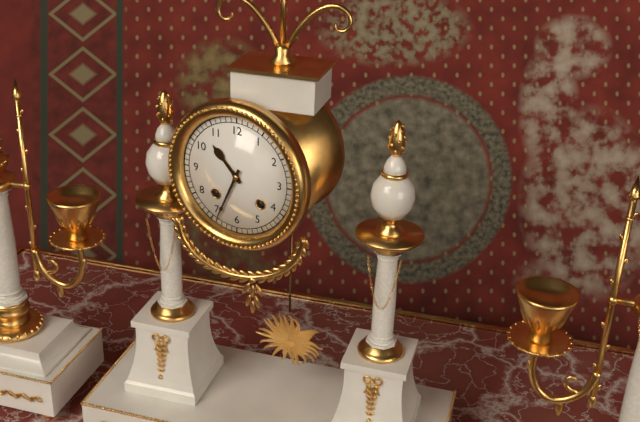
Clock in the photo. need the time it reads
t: 10:34
